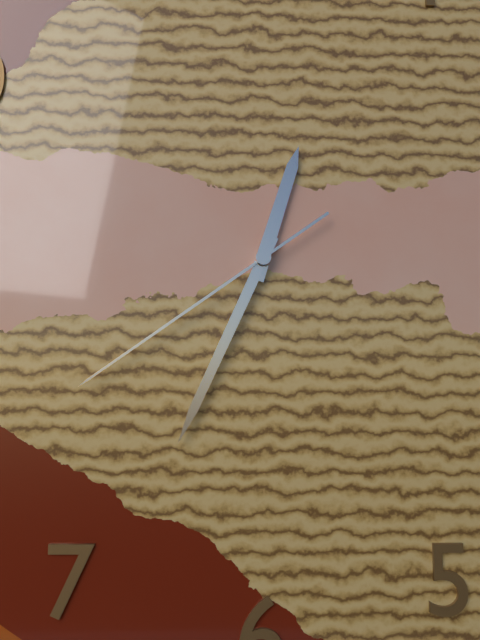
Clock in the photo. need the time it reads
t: 12:34:39
